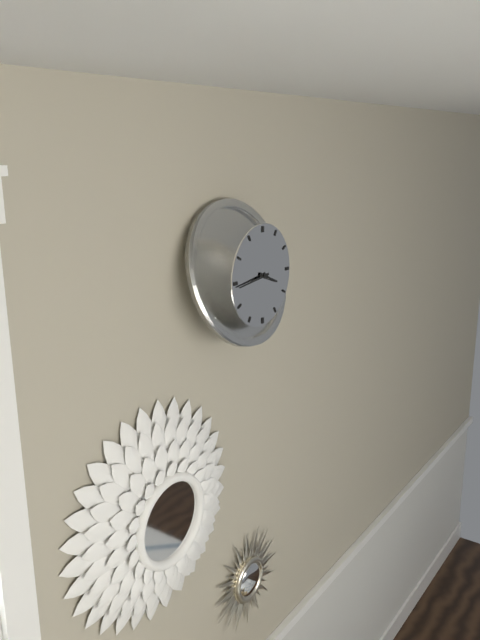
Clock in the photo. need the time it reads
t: 3:44
